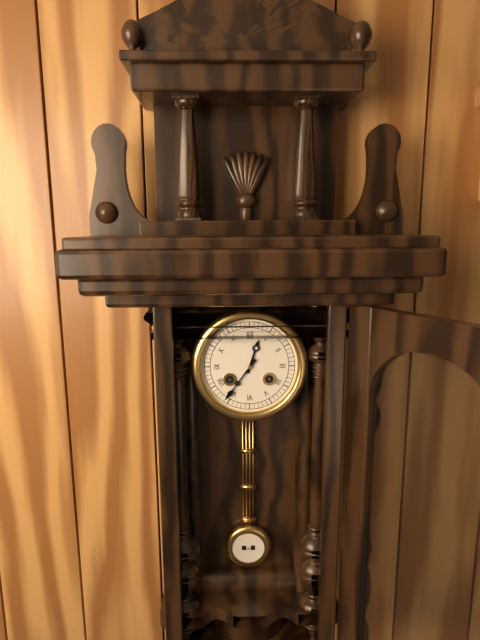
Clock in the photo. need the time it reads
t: 12:36
